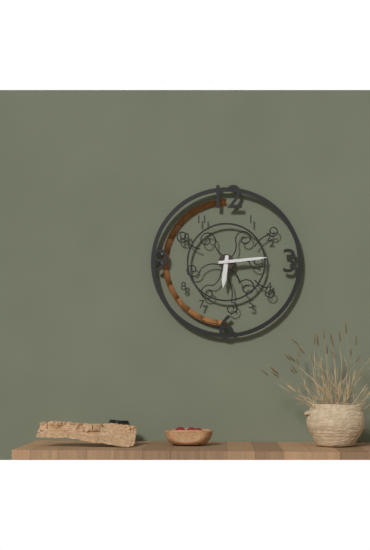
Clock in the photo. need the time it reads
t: 6:14
